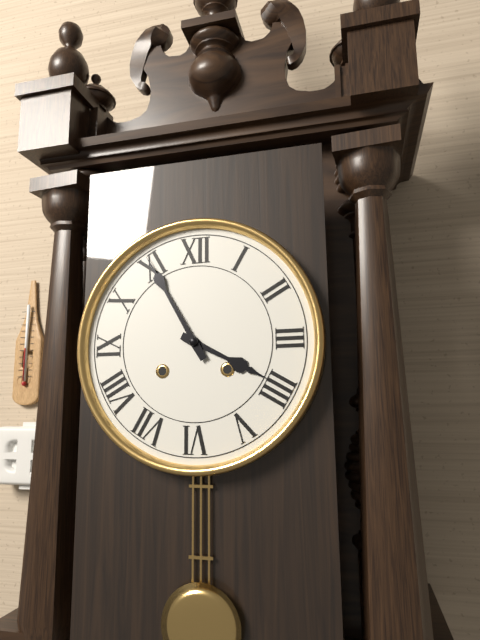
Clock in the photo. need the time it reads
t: 3:55
